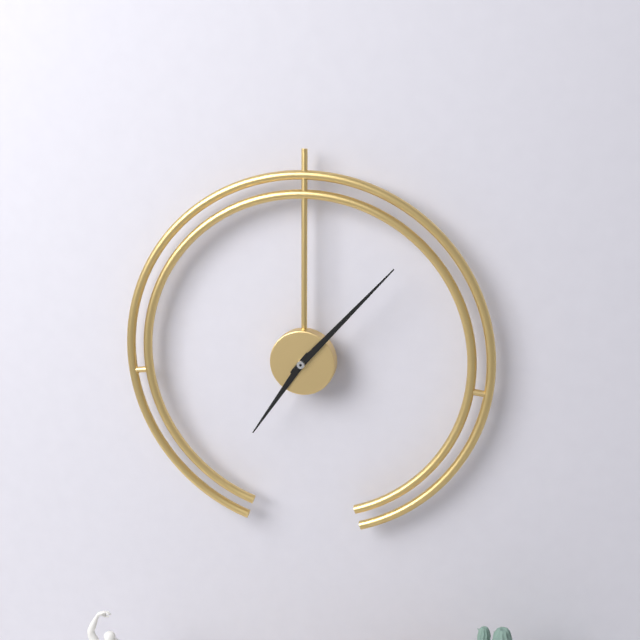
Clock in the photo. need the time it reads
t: 7:07
